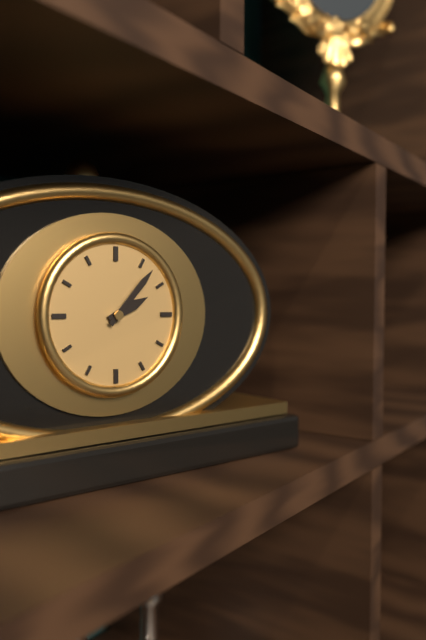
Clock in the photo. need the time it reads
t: 2:07
